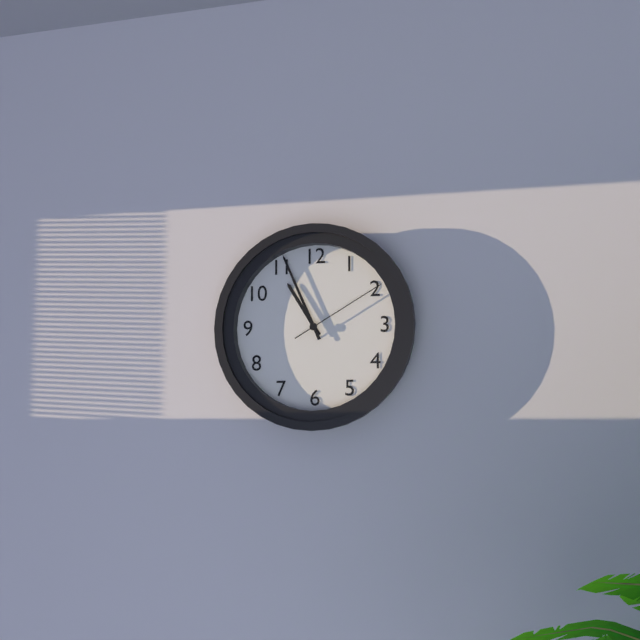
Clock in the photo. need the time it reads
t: 10:56:10
